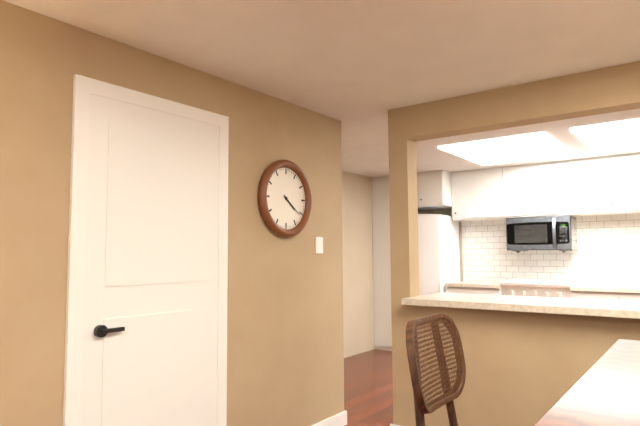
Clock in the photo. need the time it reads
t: 4:21
